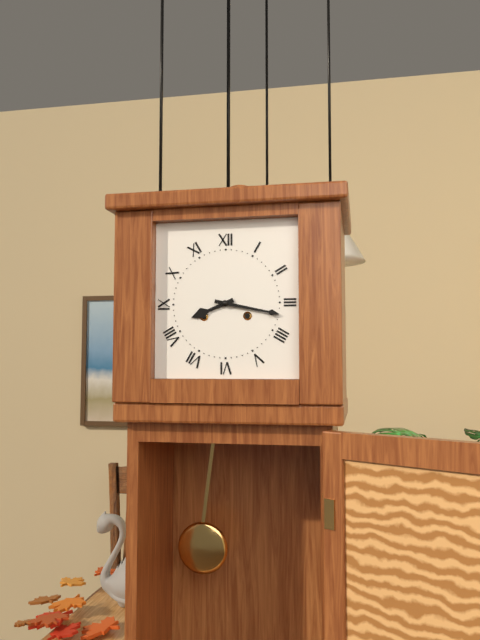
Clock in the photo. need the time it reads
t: 8:17
